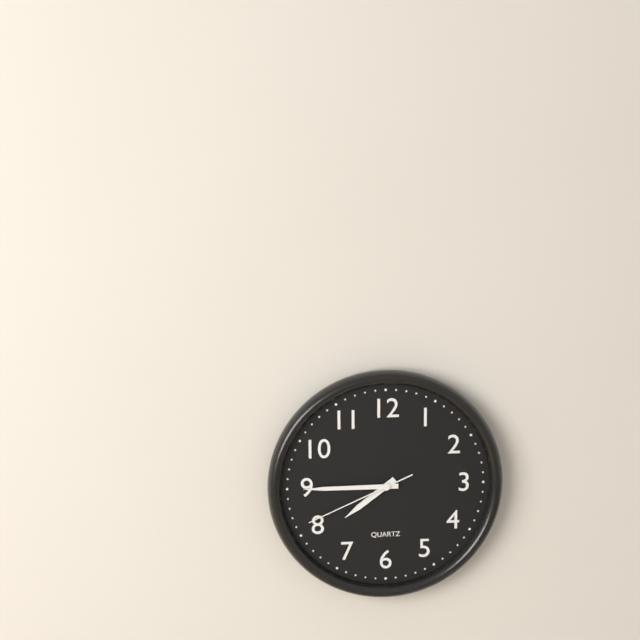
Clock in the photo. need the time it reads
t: 7:45:41
